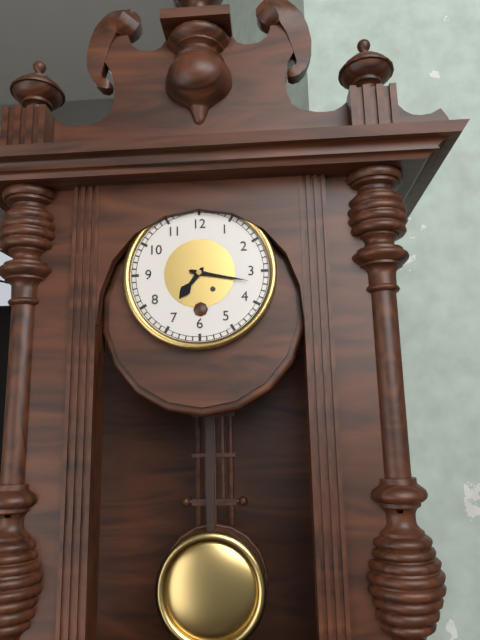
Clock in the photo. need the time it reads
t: 7:17
